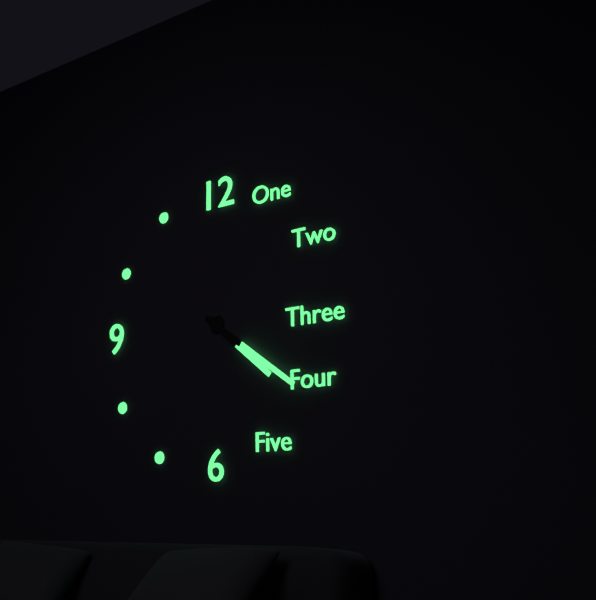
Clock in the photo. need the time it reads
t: 4:21
